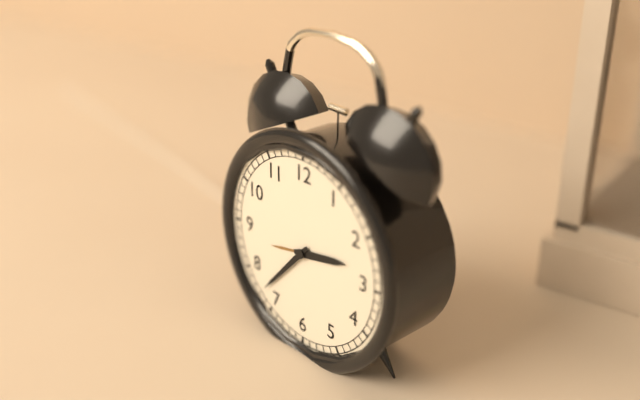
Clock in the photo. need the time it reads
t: 2:37
